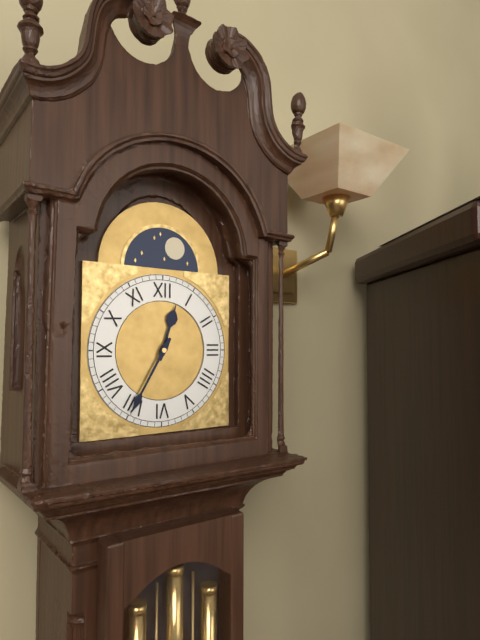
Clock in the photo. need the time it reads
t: 12:35
